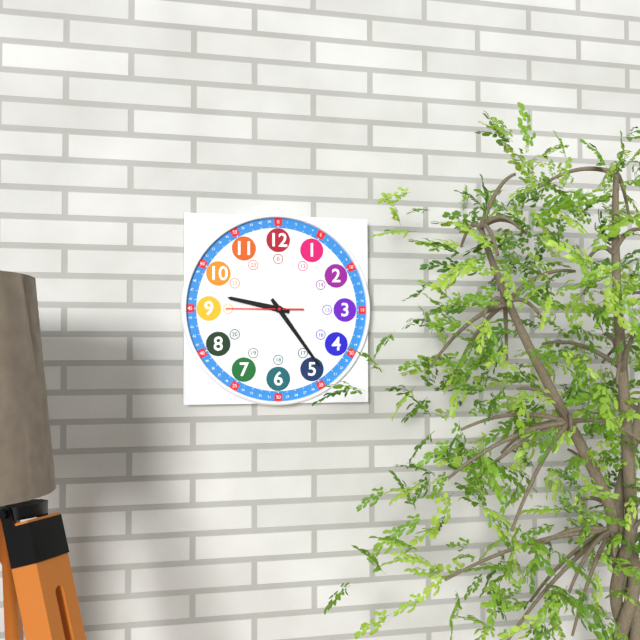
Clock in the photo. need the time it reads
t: 9:24:45
